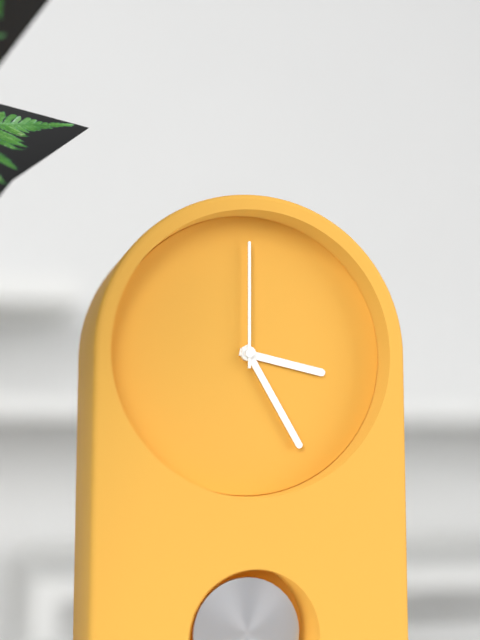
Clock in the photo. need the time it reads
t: 3:25:00
